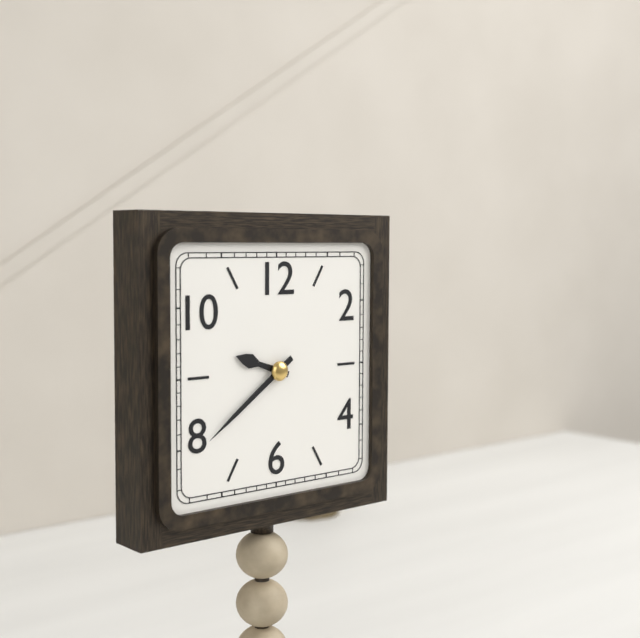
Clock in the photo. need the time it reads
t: 9:39
